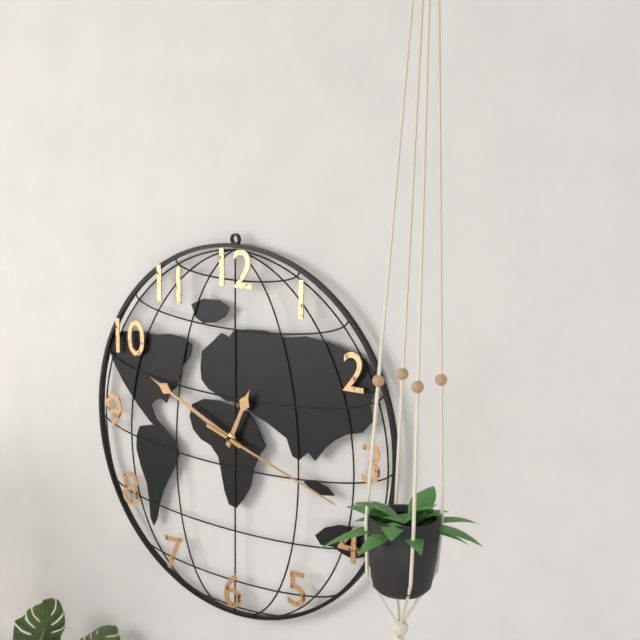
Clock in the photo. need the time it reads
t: 12:49:18
